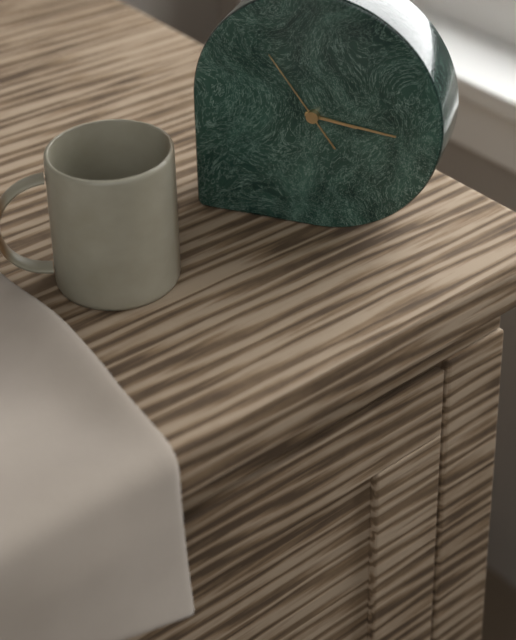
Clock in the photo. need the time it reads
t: 3:16:54
